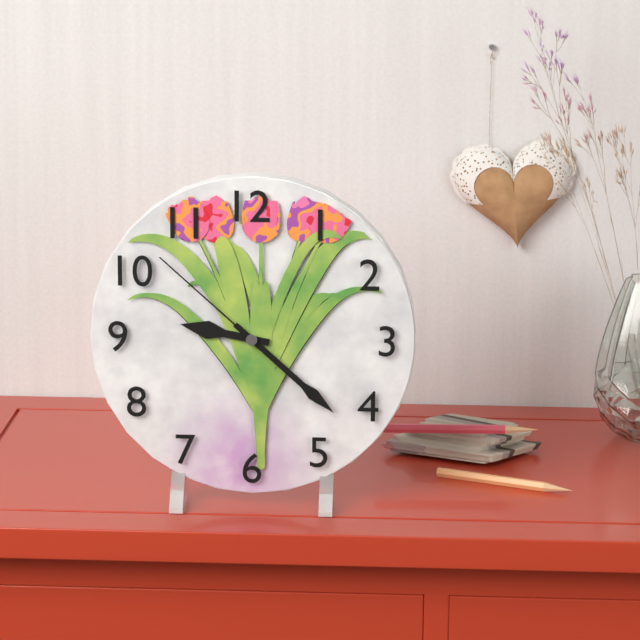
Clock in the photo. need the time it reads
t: 9:22:52
